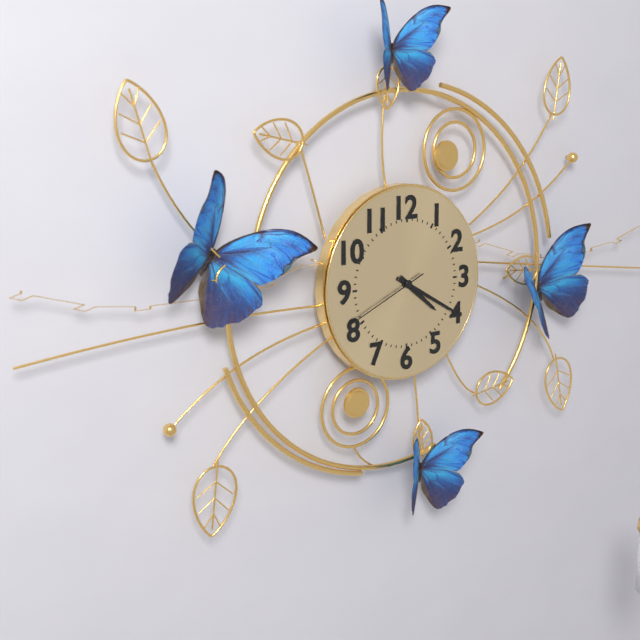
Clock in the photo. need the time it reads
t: 4:20:41
